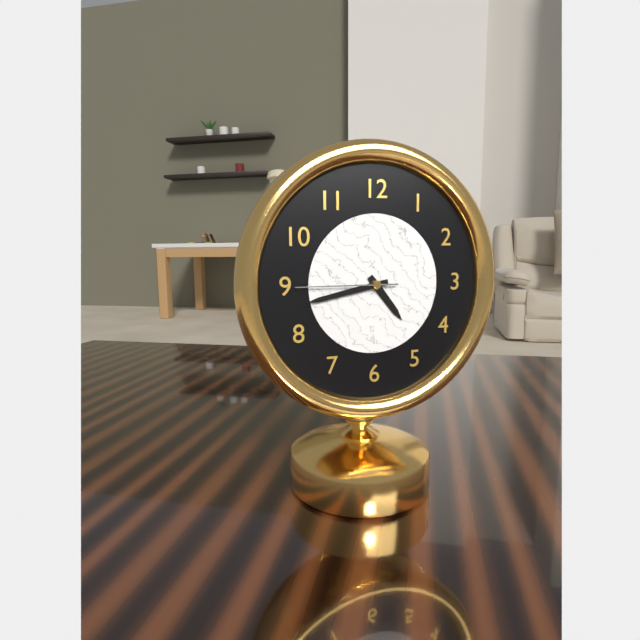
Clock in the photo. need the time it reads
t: 4:43:45
